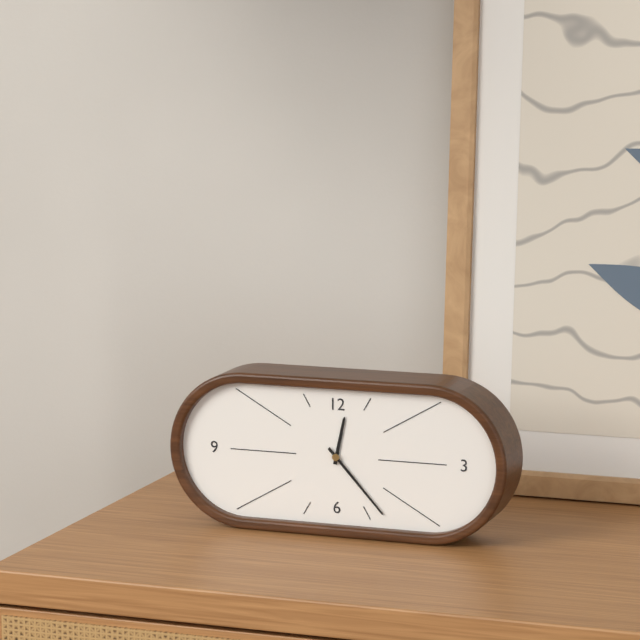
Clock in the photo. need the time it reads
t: 12:23
